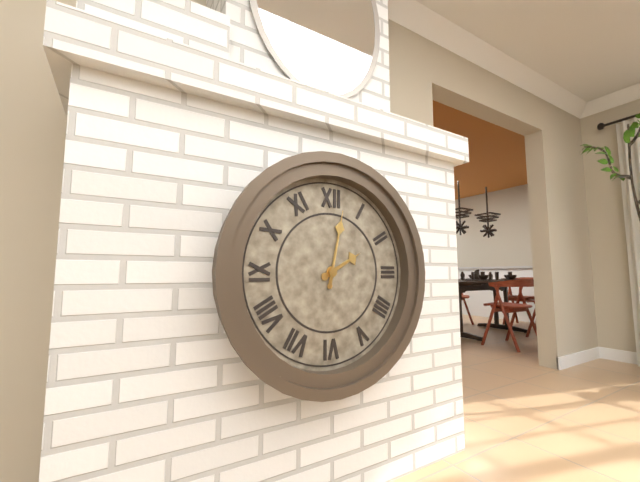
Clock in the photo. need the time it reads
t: 2:02
